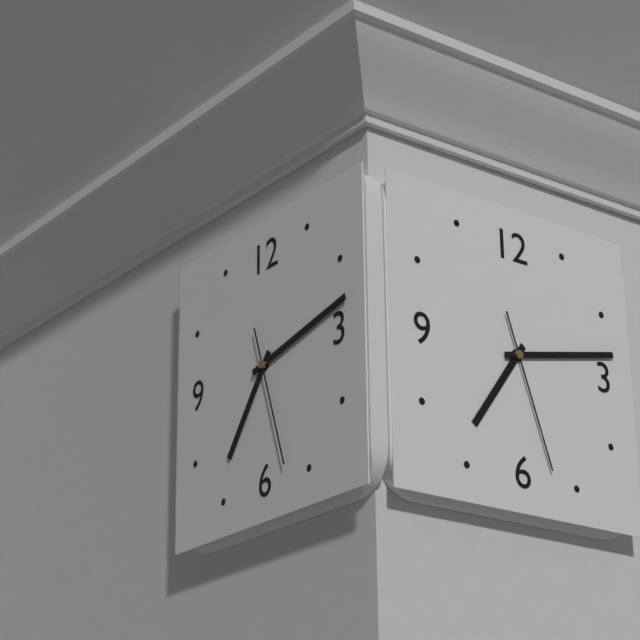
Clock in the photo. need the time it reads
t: 7:13:27
